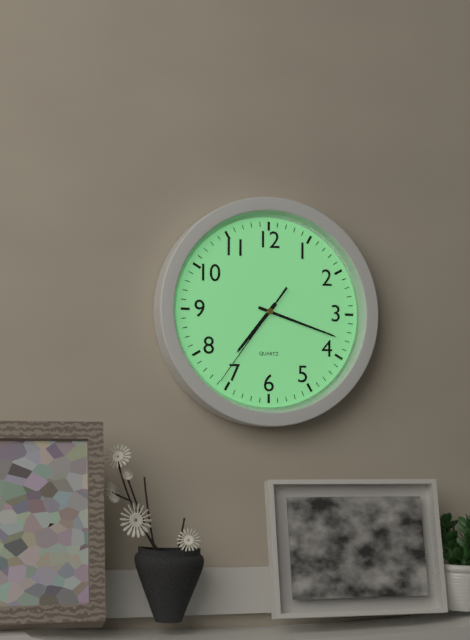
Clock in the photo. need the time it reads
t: 7:18:36
